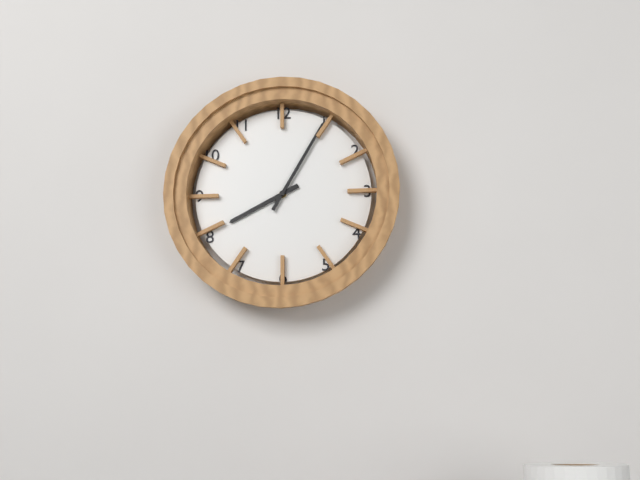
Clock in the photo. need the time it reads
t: 8:05
